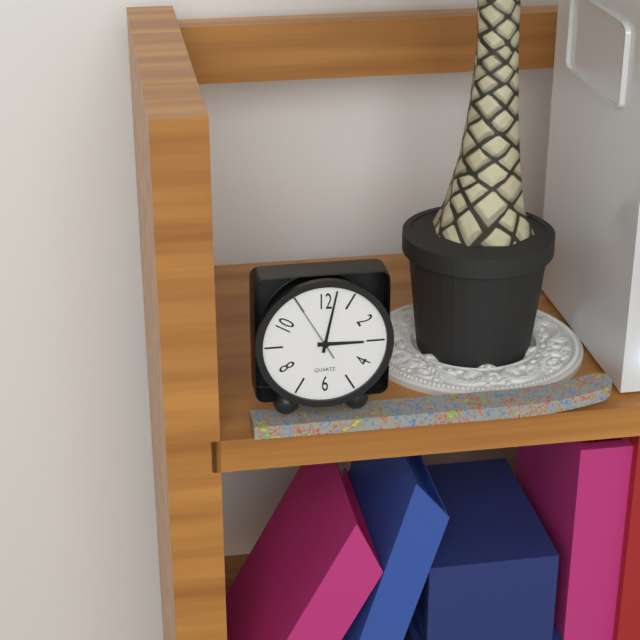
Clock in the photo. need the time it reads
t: 3:02:55
